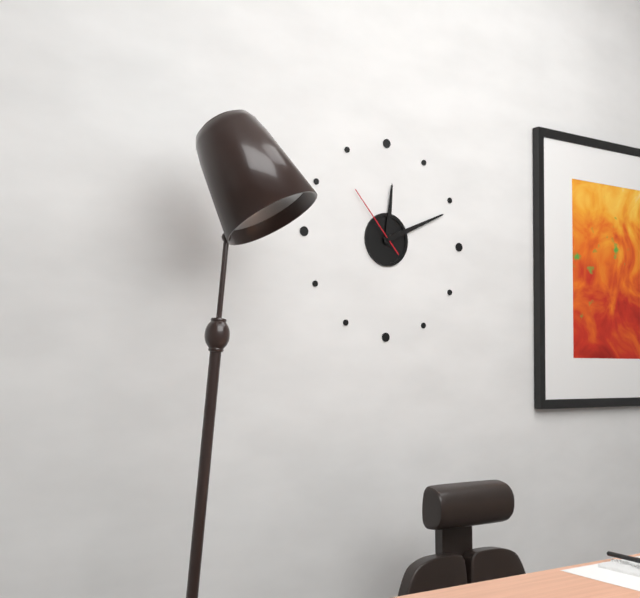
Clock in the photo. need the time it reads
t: 12:11:53
